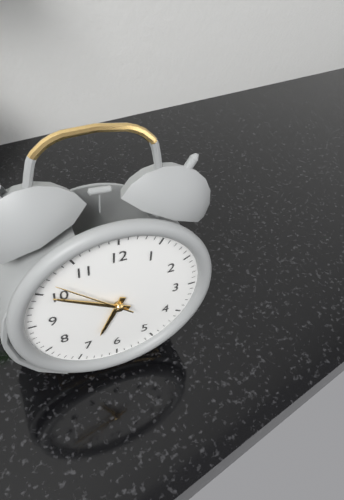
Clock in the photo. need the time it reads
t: 6:50:52
